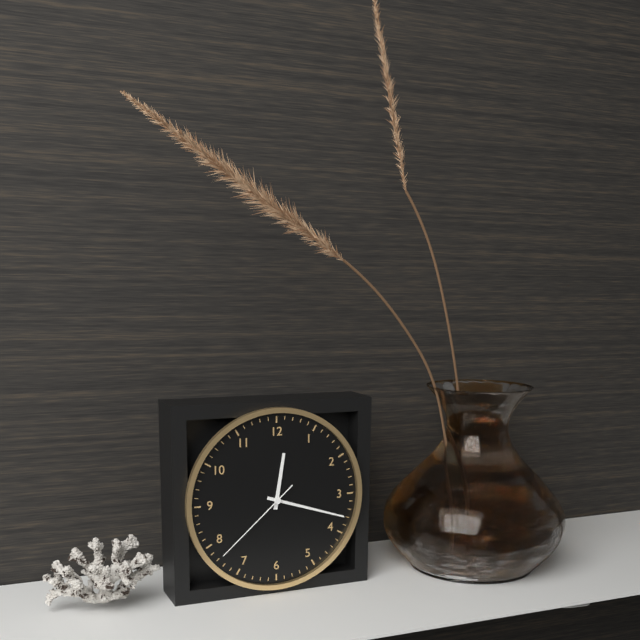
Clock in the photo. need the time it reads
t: 12:18:38
